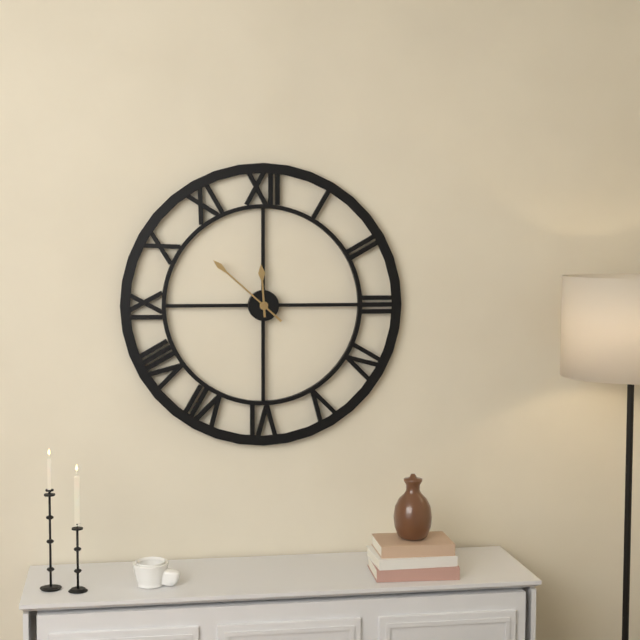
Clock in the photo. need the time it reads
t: 11:52
